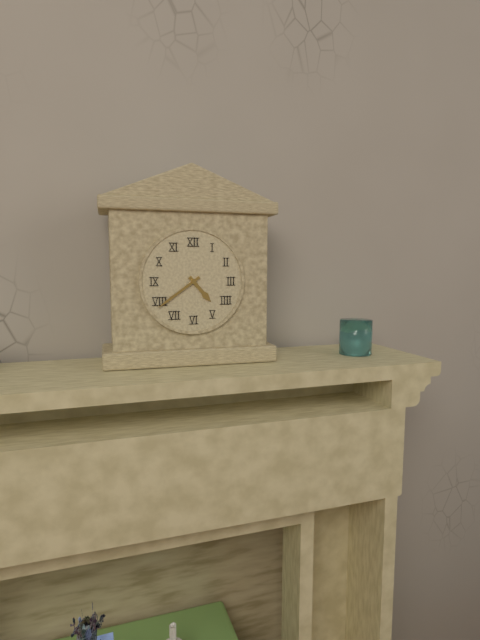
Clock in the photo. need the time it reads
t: 4:39
